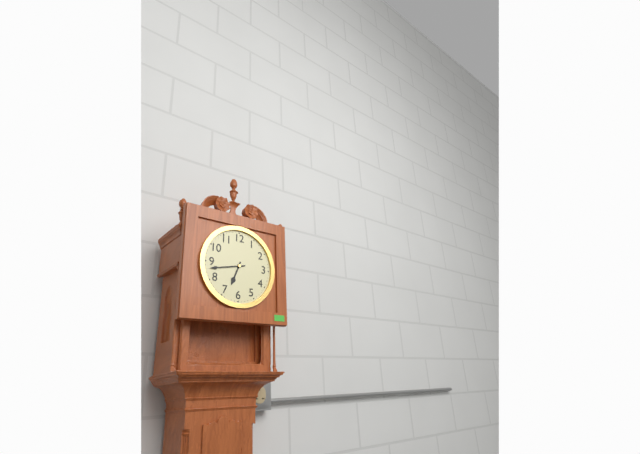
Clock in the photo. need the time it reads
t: 6:43
